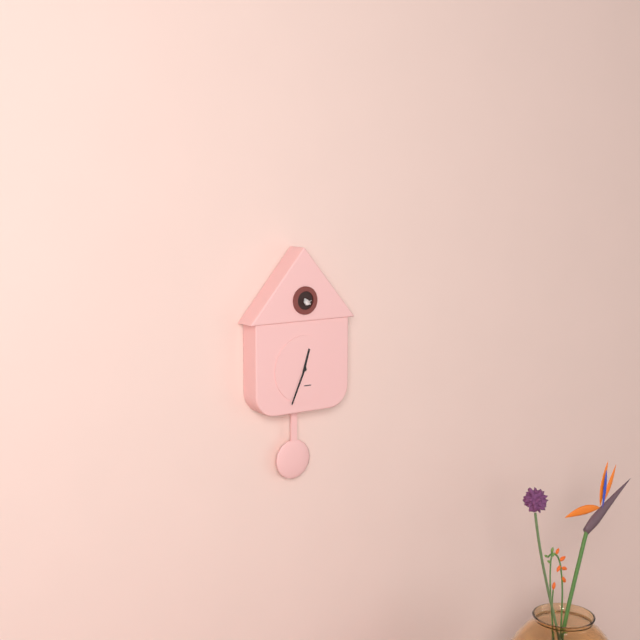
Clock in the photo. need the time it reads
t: 12:34
